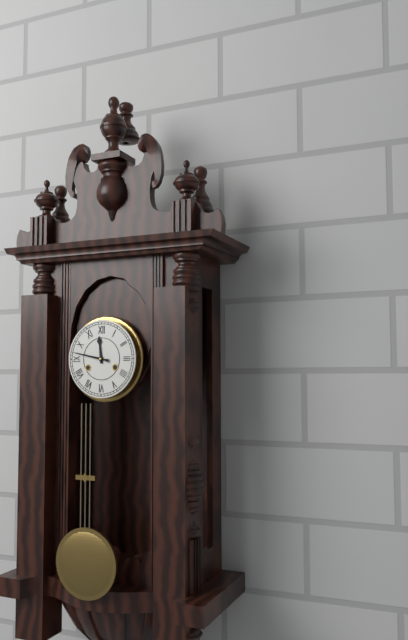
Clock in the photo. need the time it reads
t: 11:47
